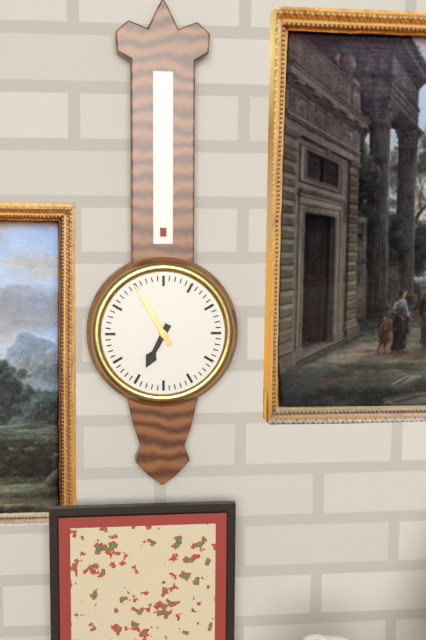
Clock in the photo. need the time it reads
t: 6:55
